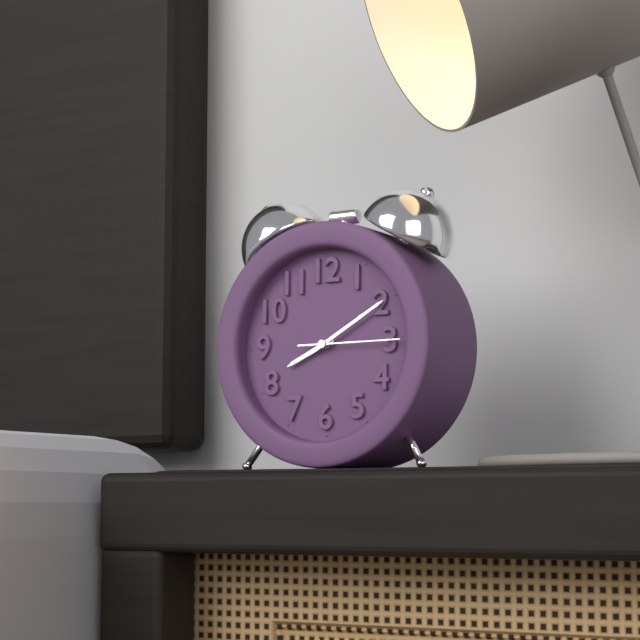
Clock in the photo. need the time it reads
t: 8:10:15
